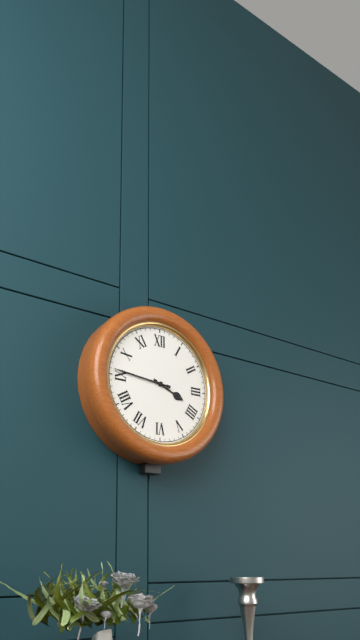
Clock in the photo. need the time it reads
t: 3:46
